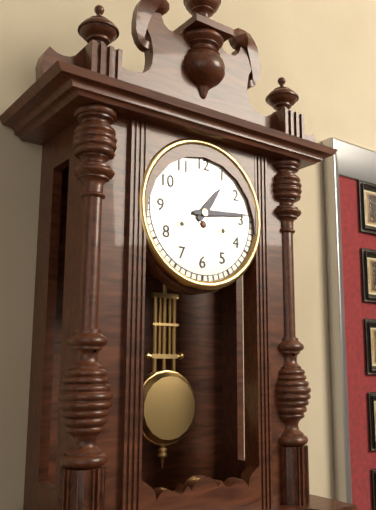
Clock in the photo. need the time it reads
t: 1:14
